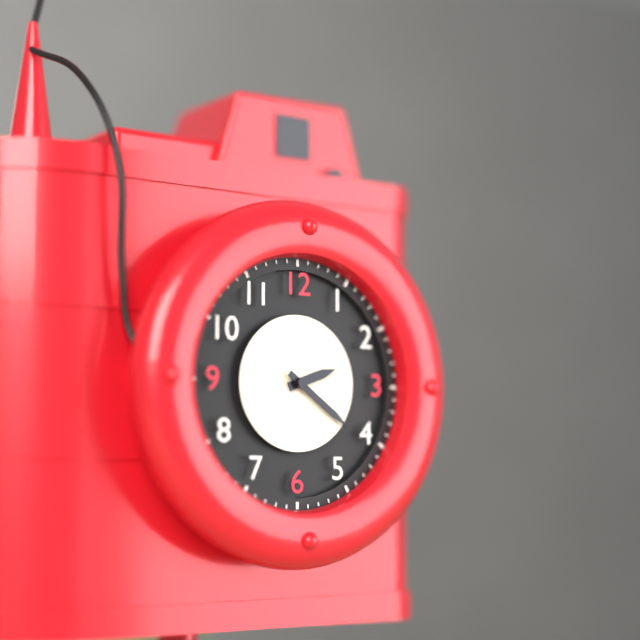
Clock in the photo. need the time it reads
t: 2:21
